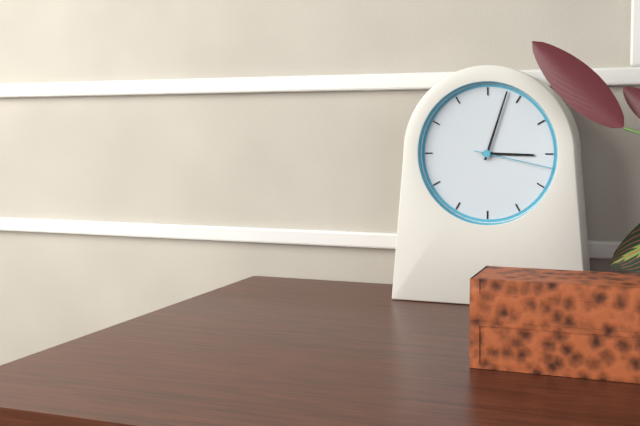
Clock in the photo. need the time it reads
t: 3:03:17
